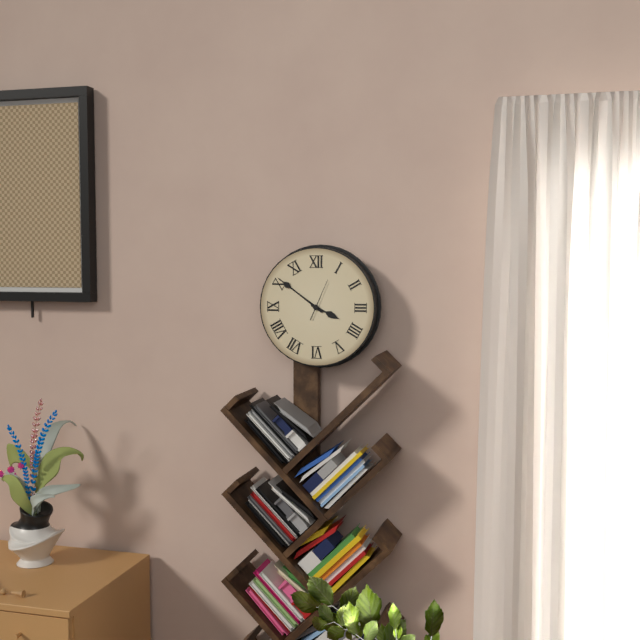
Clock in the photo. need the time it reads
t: 3:51
